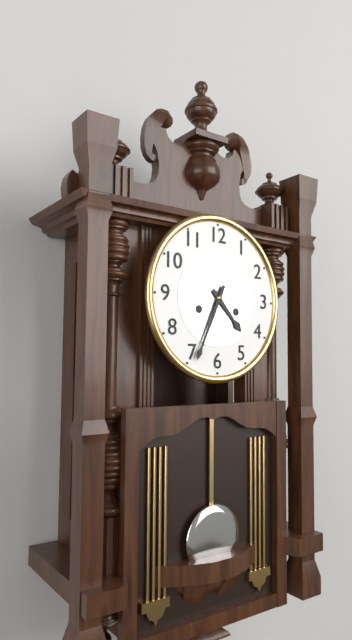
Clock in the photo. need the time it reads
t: 4:34
